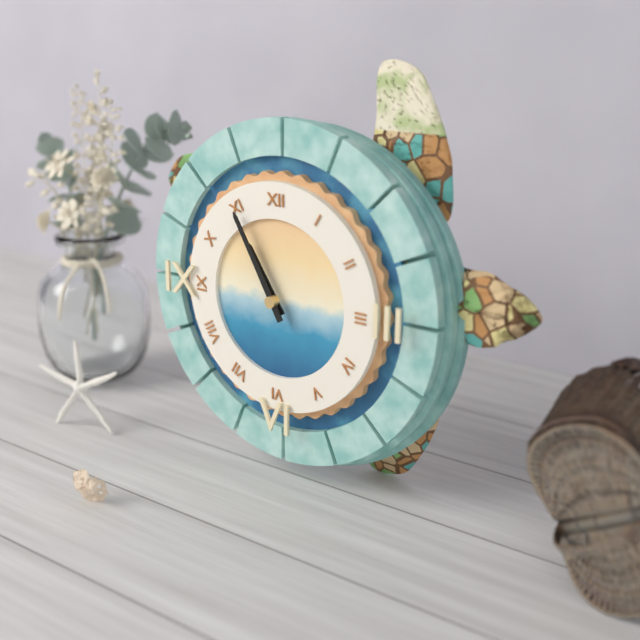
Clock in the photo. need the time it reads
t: 10:55
